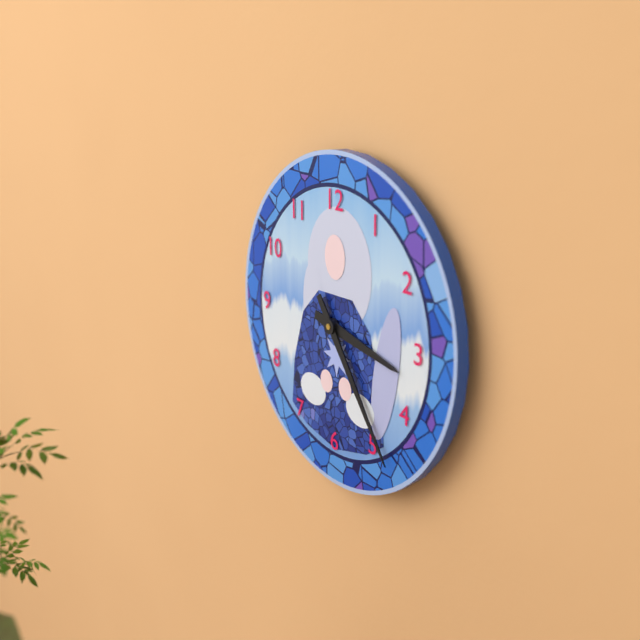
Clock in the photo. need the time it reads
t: 3:24
